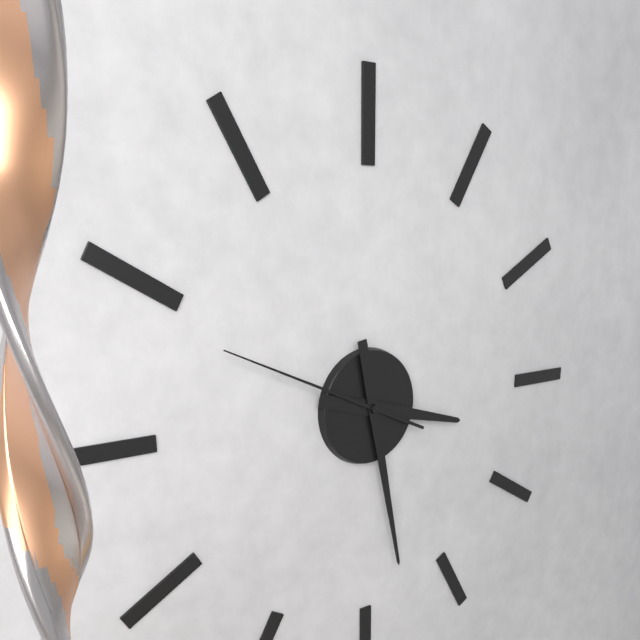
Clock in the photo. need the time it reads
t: 3:28:49
